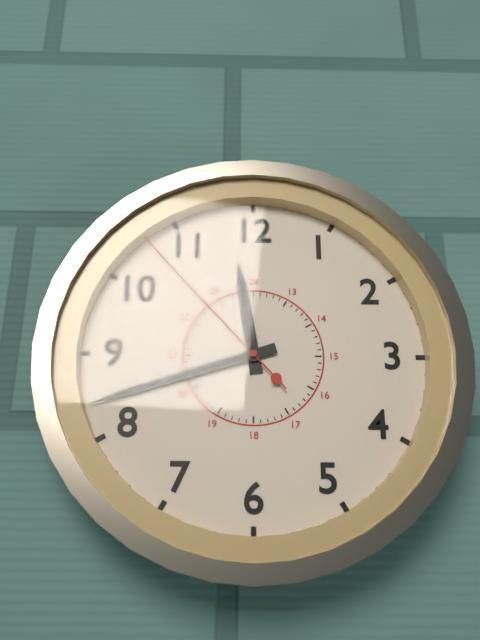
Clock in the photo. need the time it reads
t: 11:42:53
